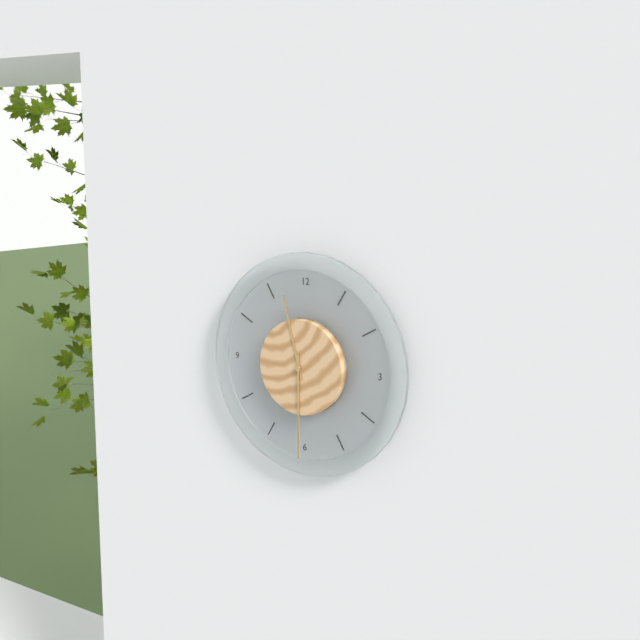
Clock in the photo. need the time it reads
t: 11:30
